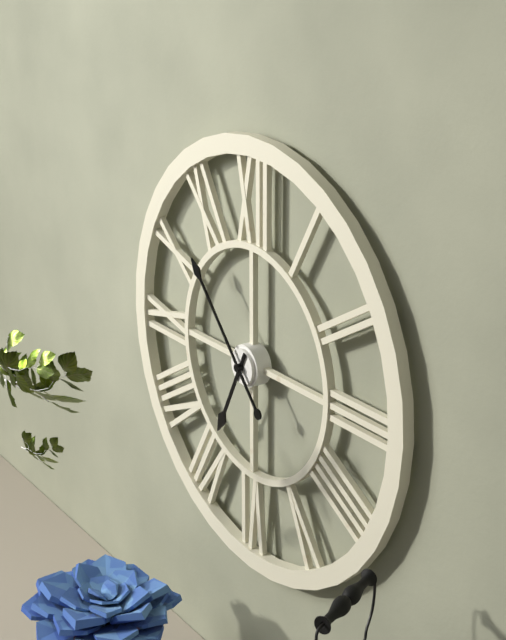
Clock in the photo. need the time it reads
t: 6:53
